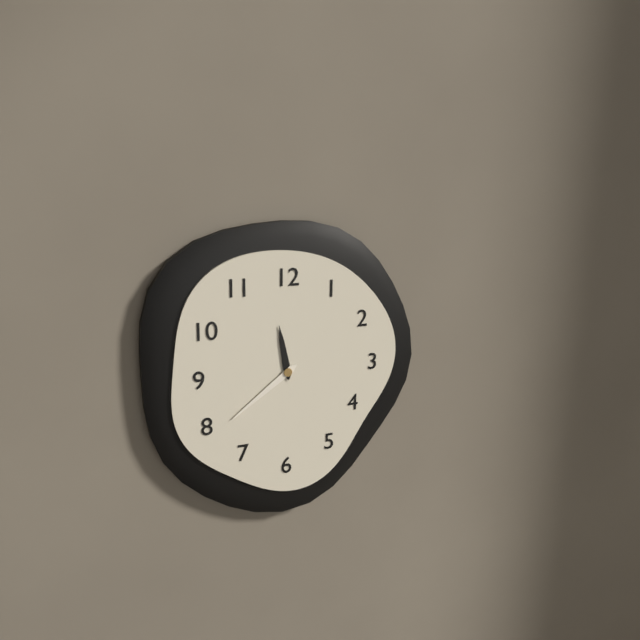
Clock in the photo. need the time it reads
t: 11:39
